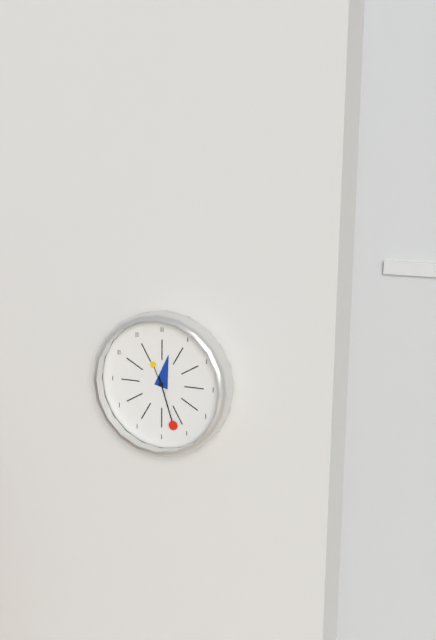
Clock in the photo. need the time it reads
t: 12:27
